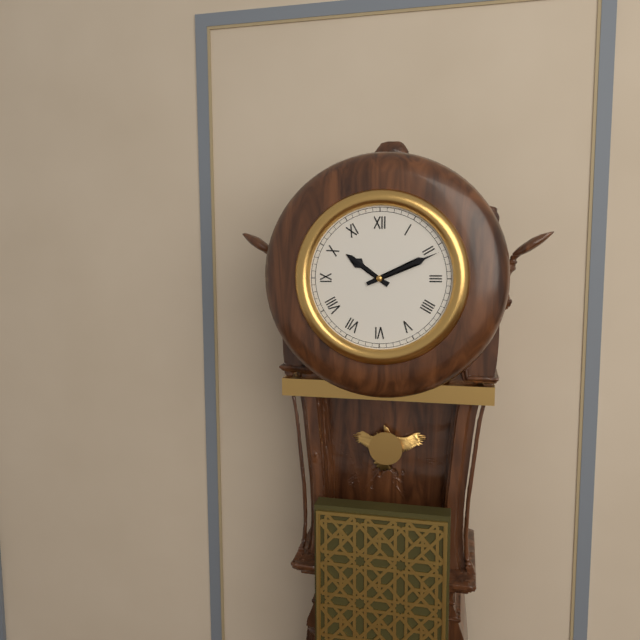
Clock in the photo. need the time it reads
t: 10:11
